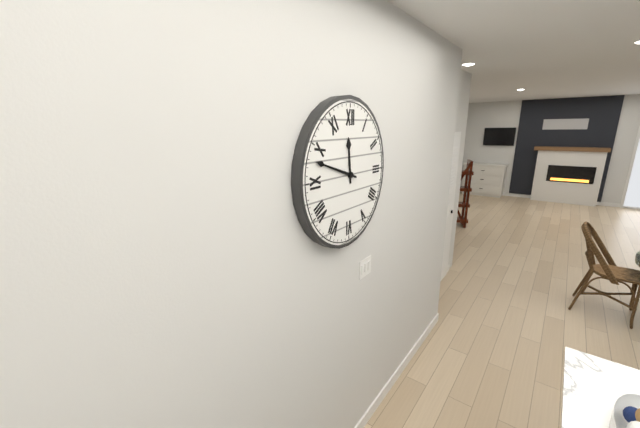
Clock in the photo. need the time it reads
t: 11:48
